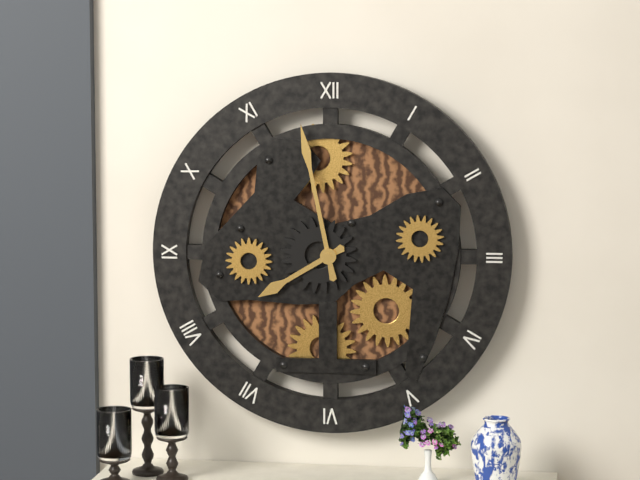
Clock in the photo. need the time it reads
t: 7:58
